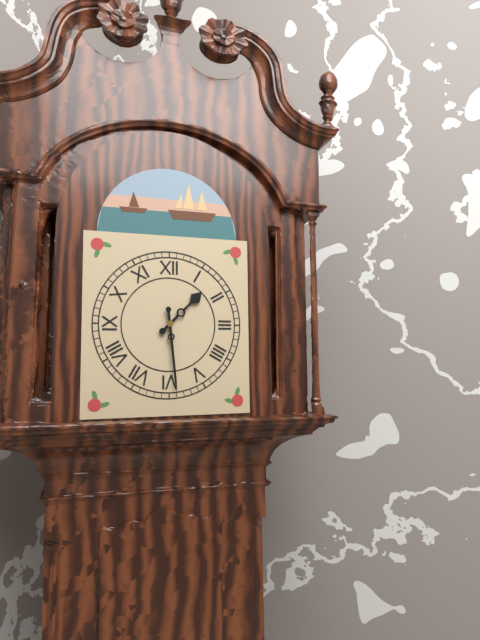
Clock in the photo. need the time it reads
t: 1:29
